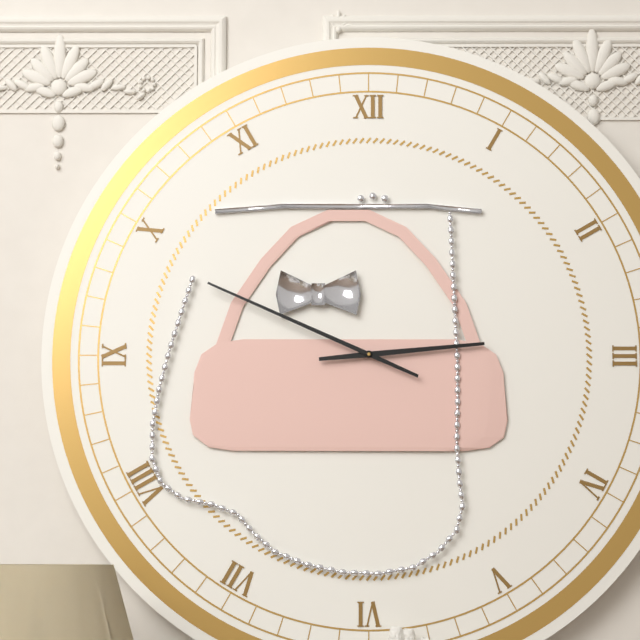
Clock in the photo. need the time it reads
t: 2:49
